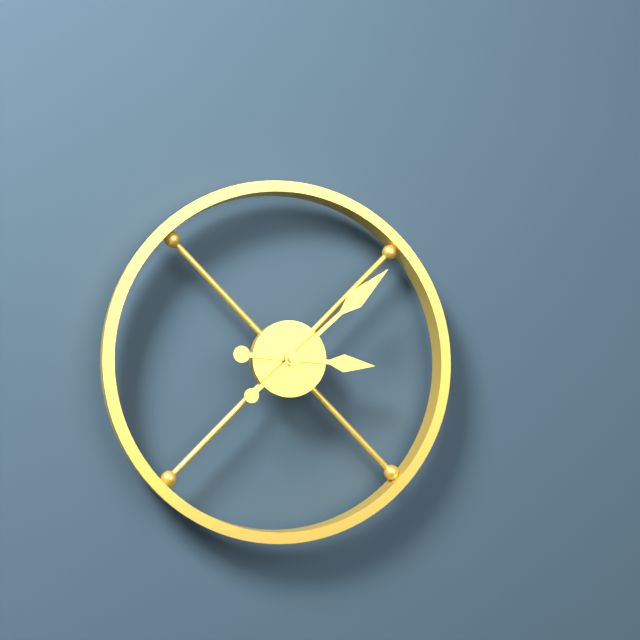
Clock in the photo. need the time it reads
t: 3:08
